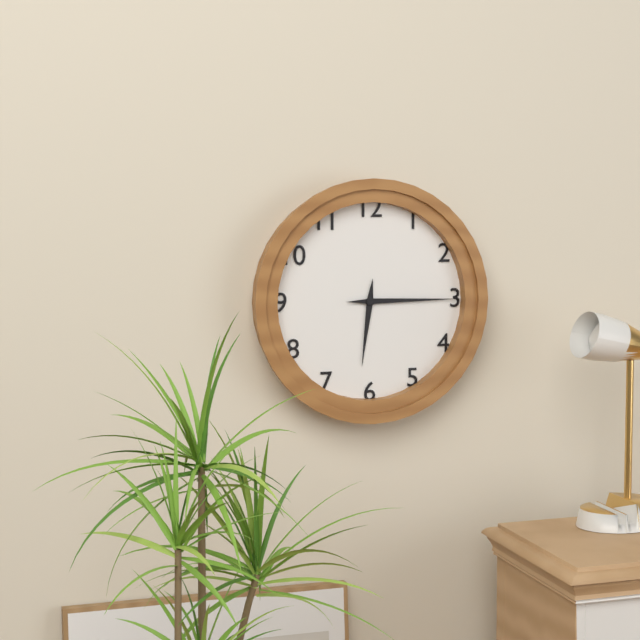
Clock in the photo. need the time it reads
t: 6:15
